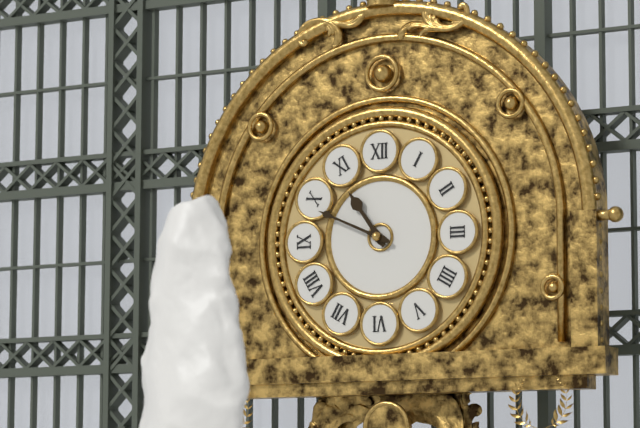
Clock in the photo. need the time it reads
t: 10:49
